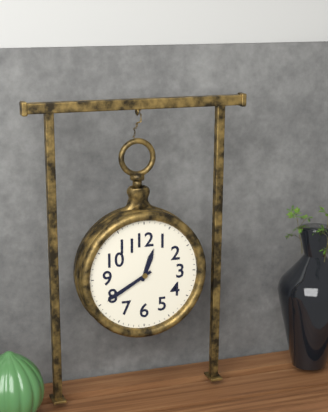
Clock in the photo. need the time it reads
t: 12:40
